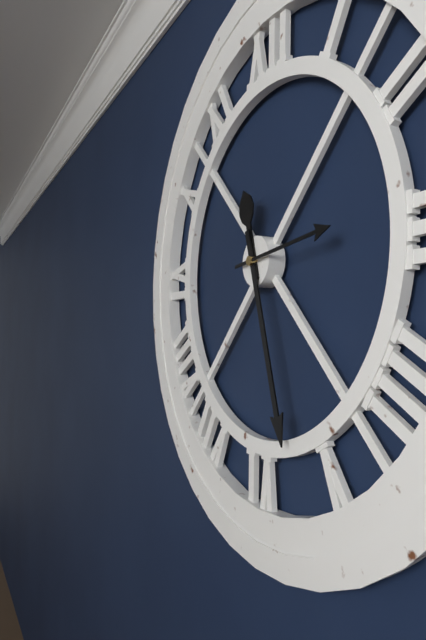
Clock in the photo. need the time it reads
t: 11:27:14
